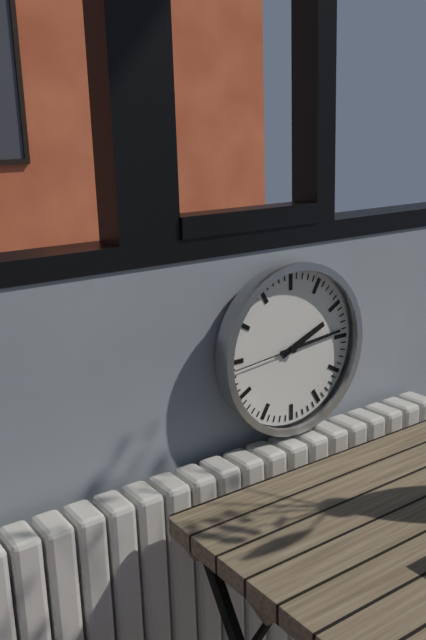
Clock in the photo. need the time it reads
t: 2:14:44
